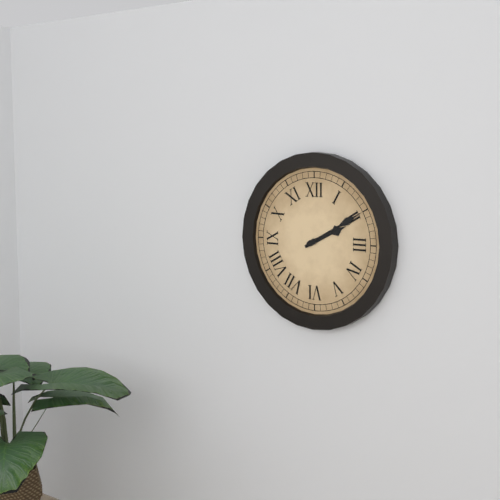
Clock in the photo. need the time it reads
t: 2:10
